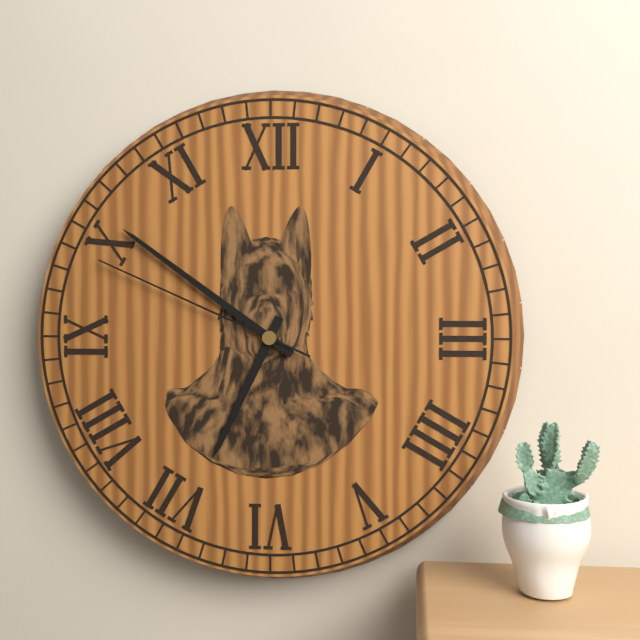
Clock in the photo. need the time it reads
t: 6:51:49
